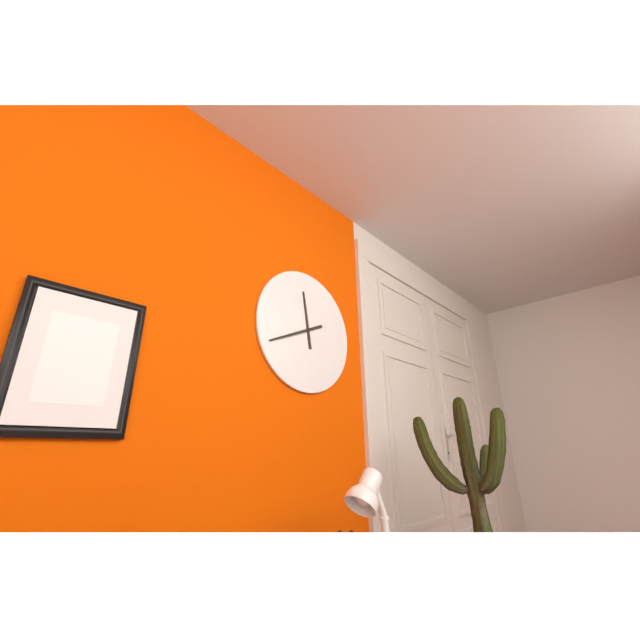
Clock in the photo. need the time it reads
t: 11:41
